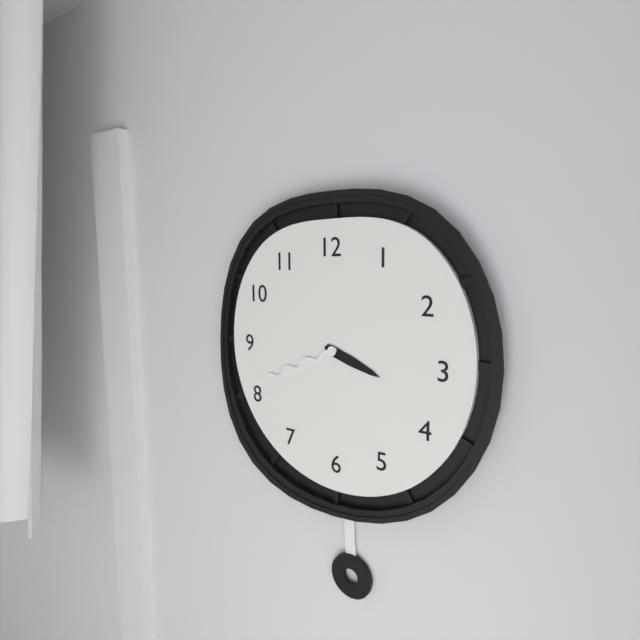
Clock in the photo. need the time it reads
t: 3:41
